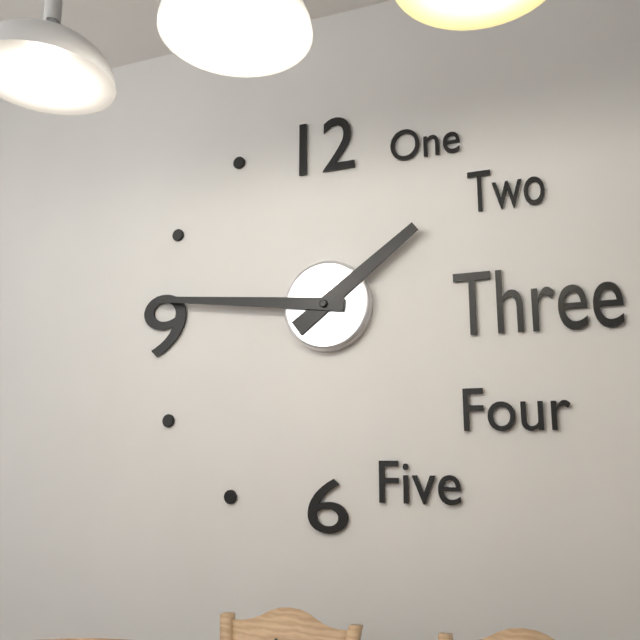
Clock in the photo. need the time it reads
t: 1:46
